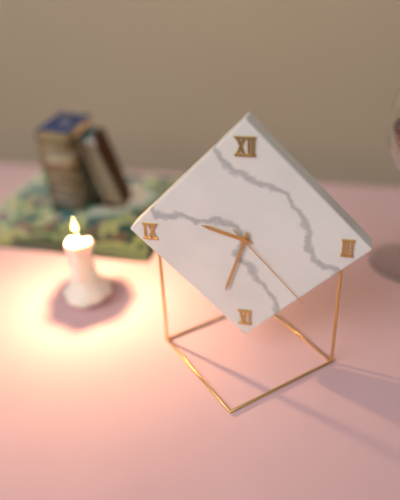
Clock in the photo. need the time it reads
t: 9:33:23
